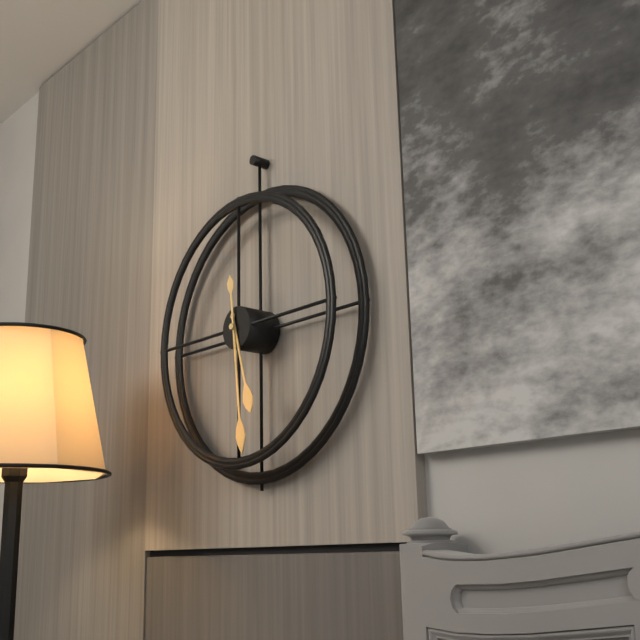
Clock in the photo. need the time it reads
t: 5:29
